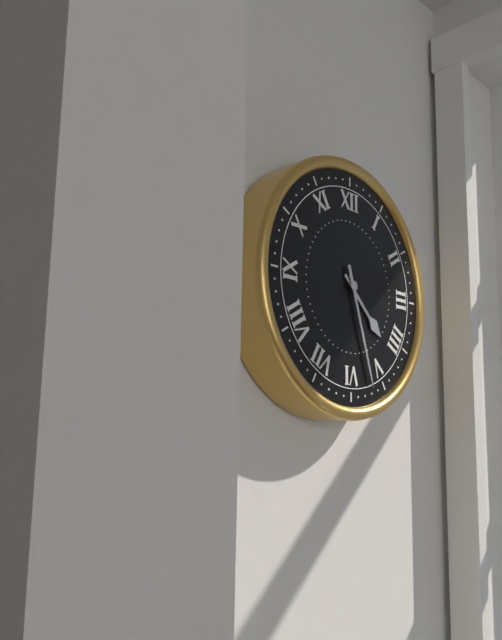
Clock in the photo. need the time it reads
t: 4:27
